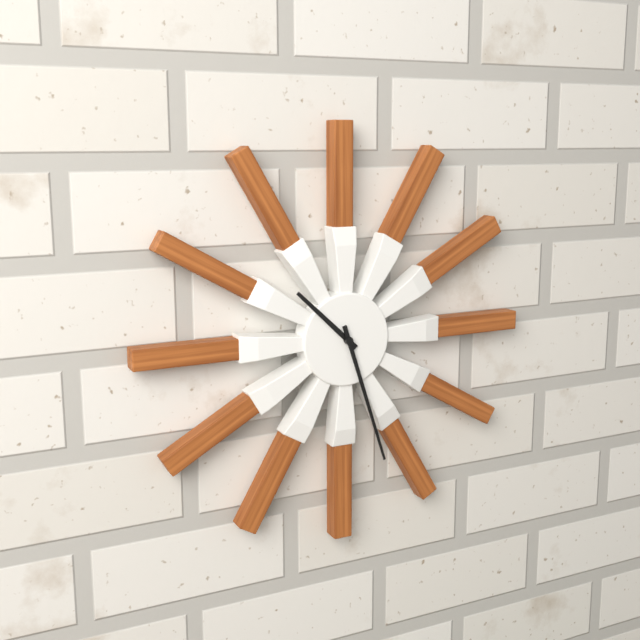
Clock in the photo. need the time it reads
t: 10:27
